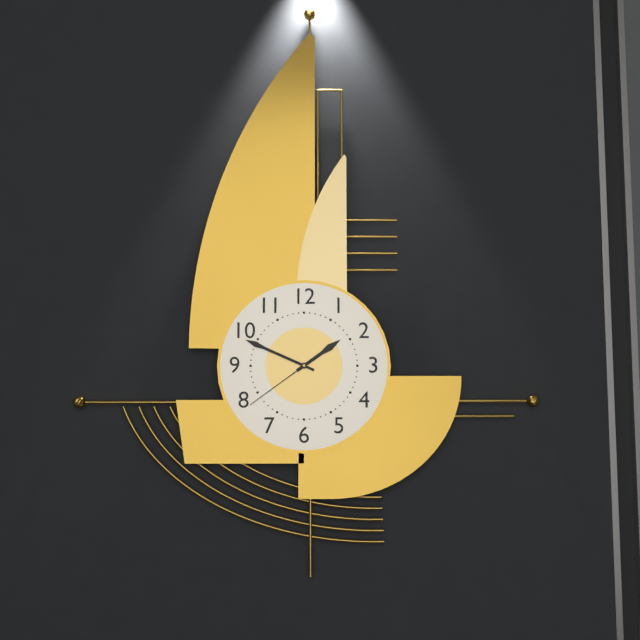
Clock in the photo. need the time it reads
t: 1:49:39
